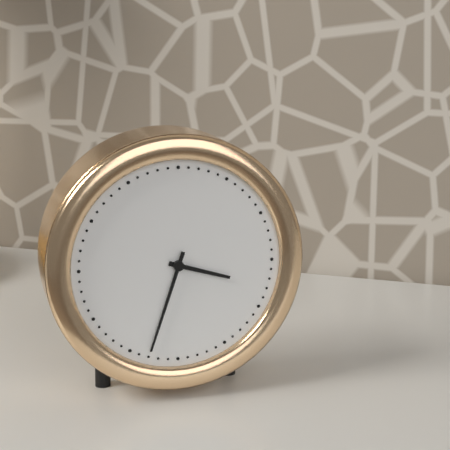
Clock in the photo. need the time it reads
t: 3:33
